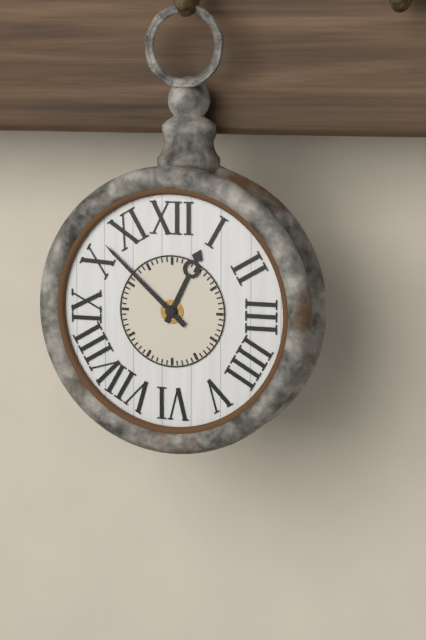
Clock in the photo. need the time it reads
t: 12:52
